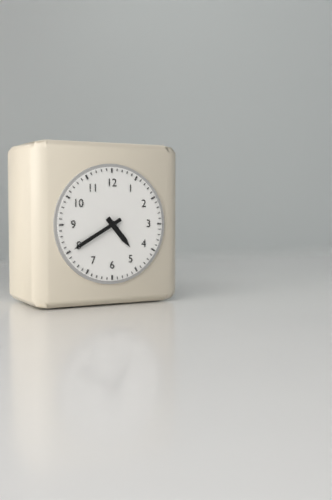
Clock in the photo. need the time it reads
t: 4:40
